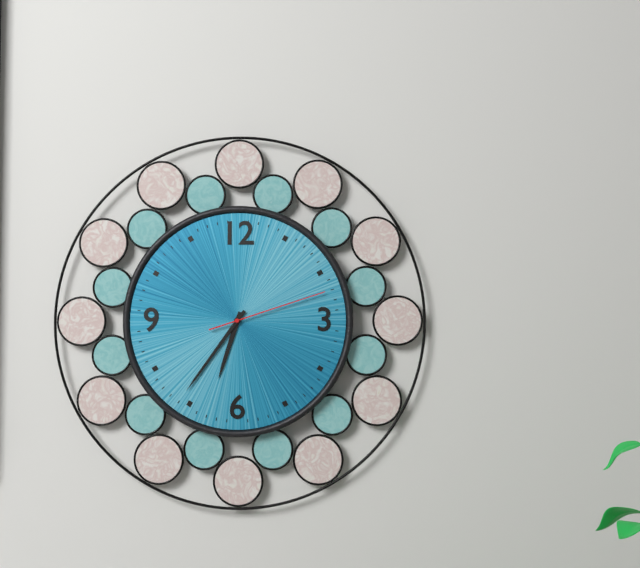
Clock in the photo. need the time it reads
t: 6:36:12
